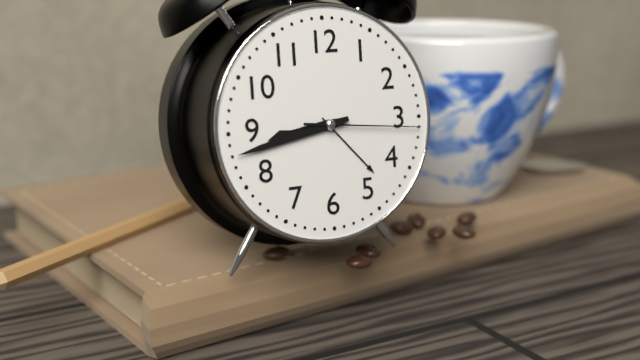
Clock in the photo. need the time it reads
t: 8:43:16
